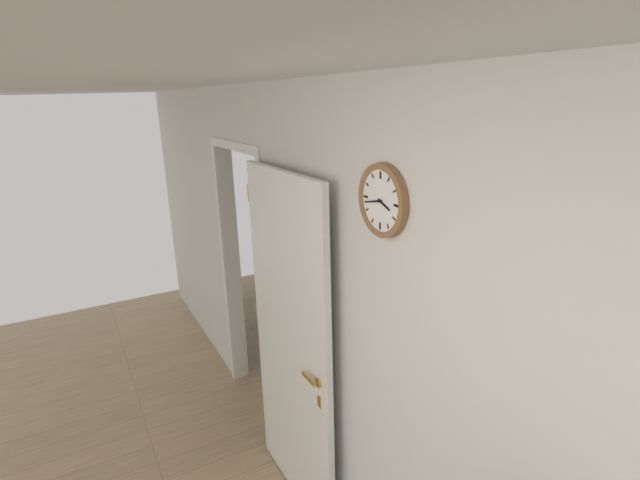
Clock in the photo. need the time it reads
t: 3:43
